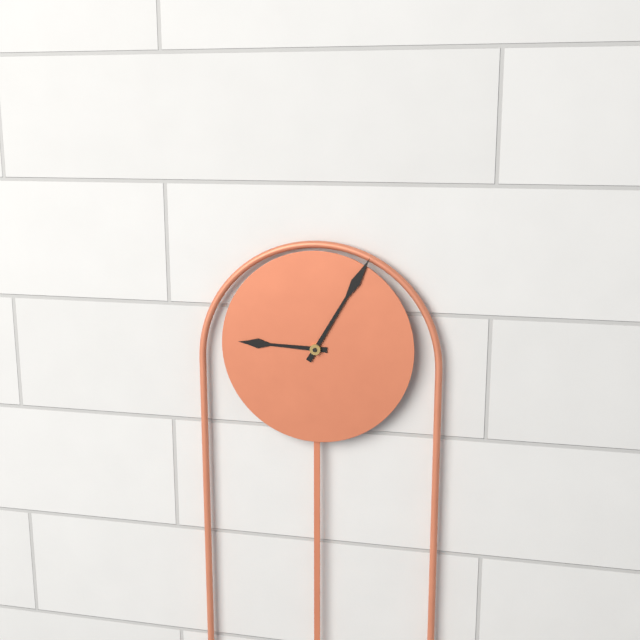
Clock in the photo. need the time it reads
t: 9:05
